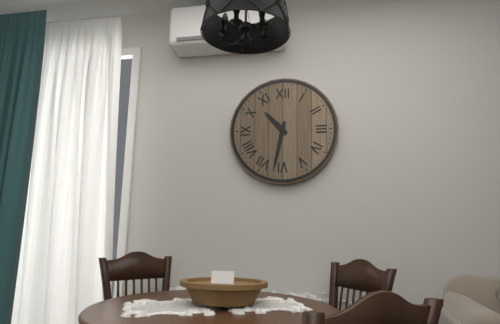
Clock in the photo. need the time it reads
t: 10:32
